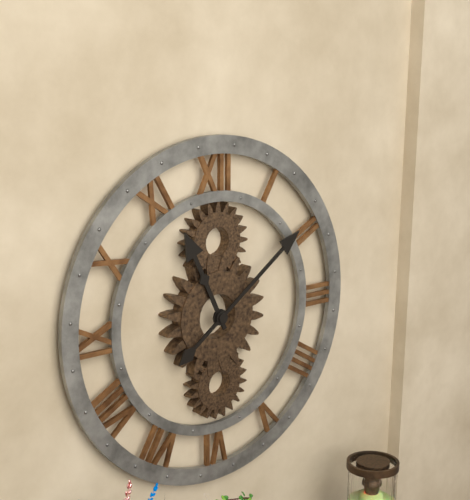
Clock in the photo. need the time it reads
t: 11:09
